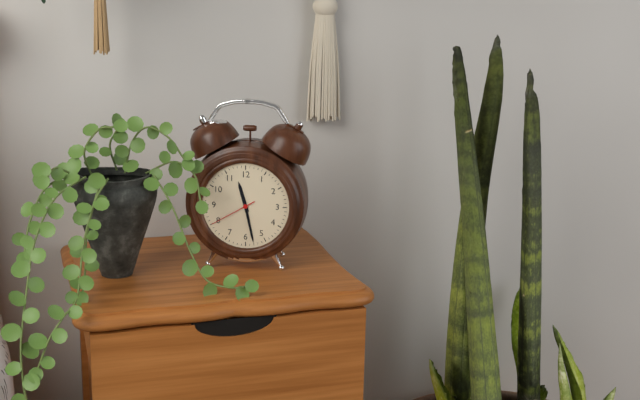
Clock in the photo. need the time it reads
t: 11:28
